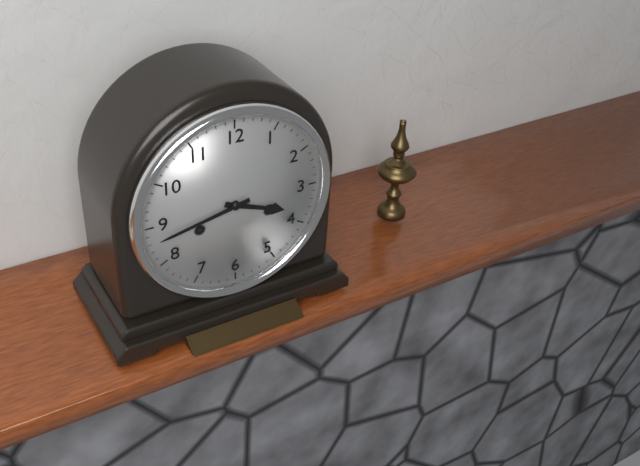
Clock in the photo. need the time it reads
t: 3:43
